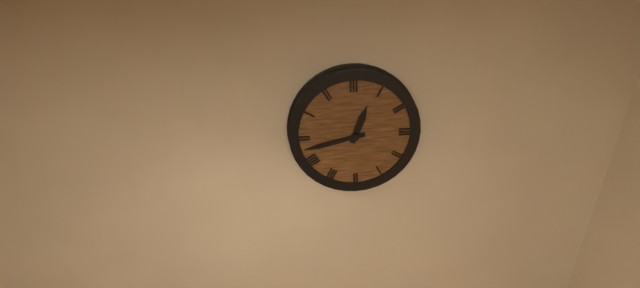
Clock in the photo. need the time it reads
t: 12:43
